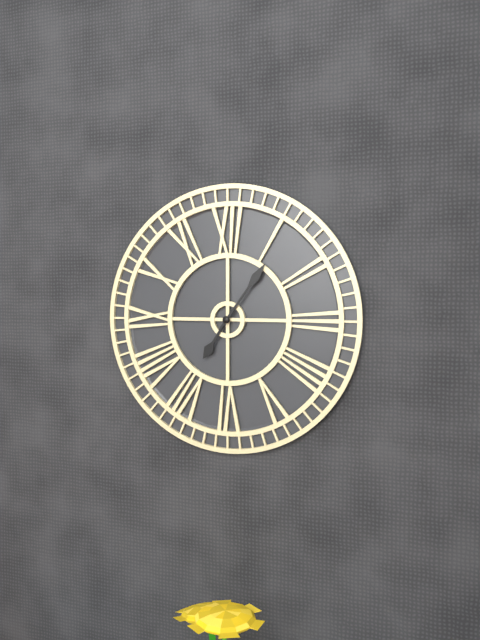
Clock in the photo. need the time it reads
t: 7:06
